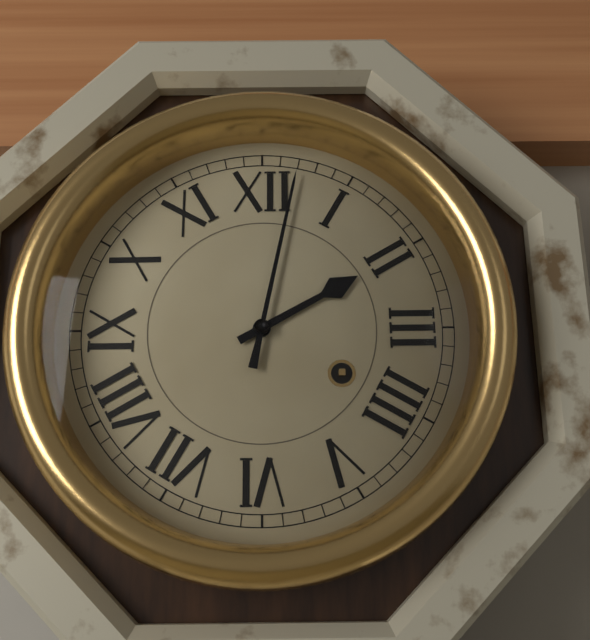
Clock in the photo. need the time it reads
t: 2:02
